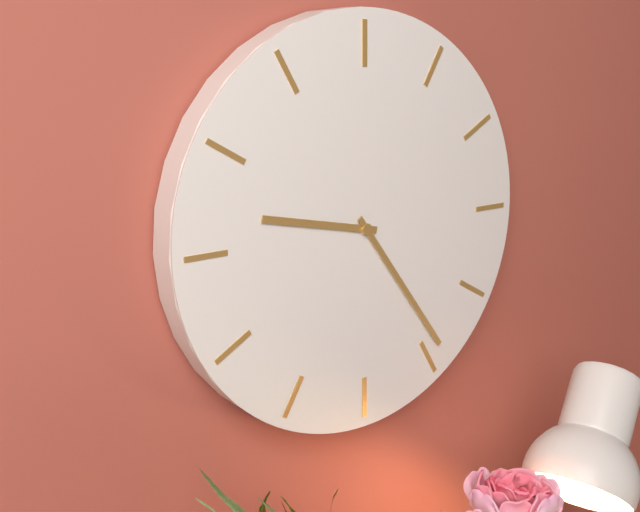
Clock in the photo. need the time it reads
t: 9:24
